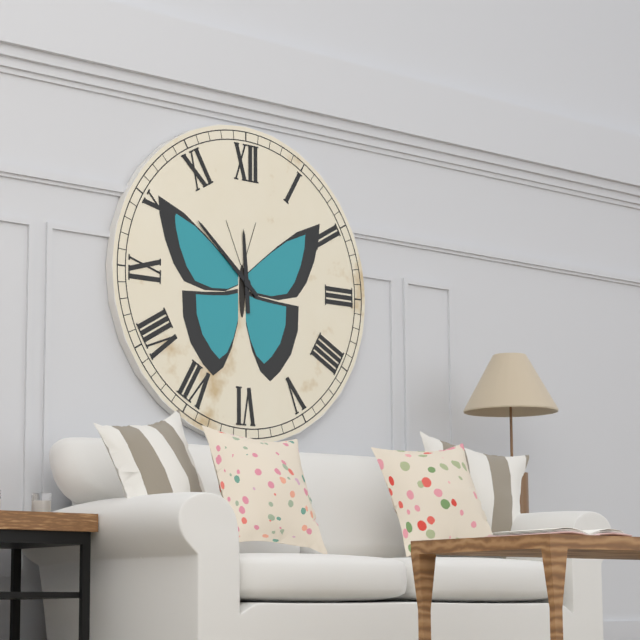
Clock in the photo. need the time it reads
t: 11:52
